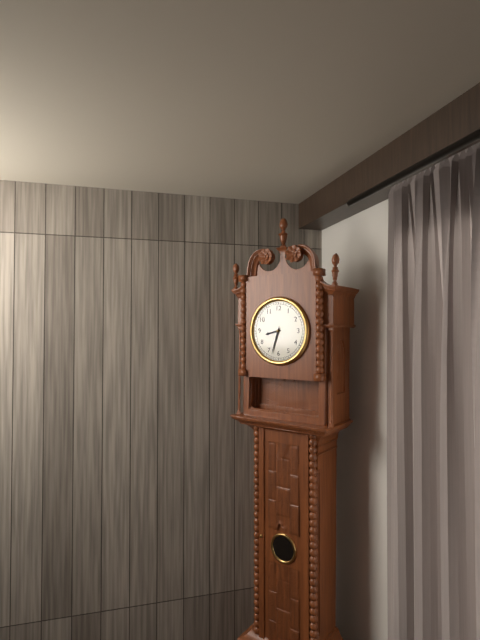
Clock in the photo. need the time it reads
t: 8:33
